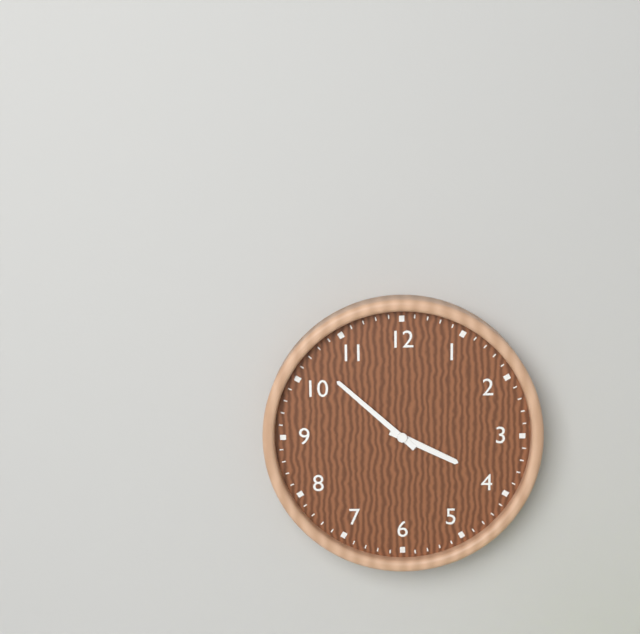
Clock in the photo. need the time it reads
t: 3:52
